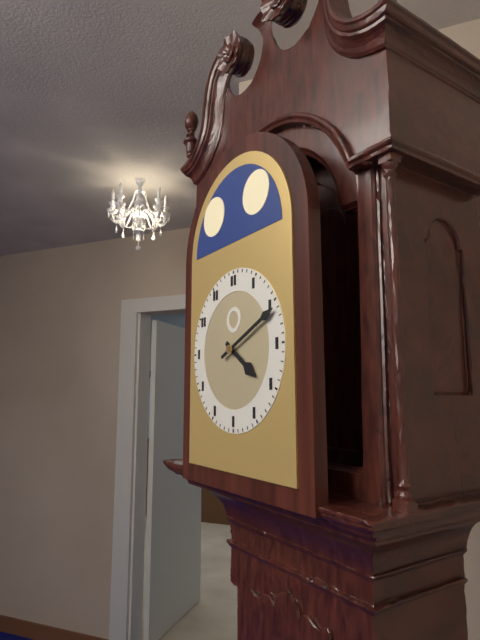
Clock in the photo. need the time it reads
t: 4:11
